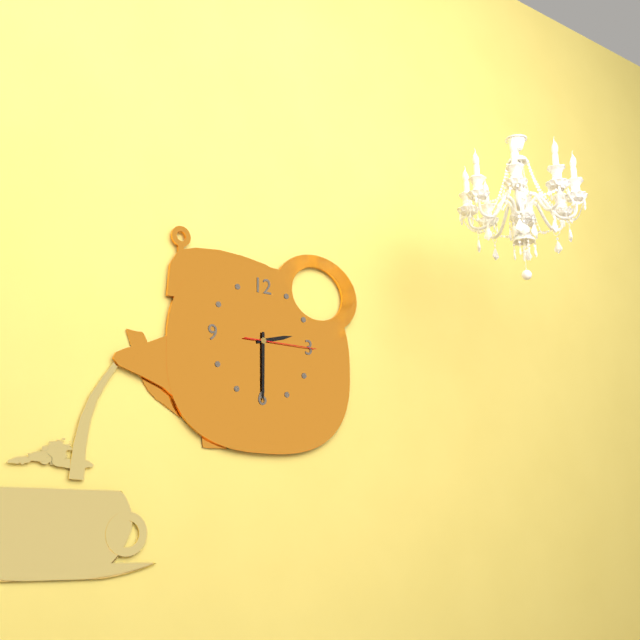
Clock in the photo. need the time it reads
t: 2:30:15
